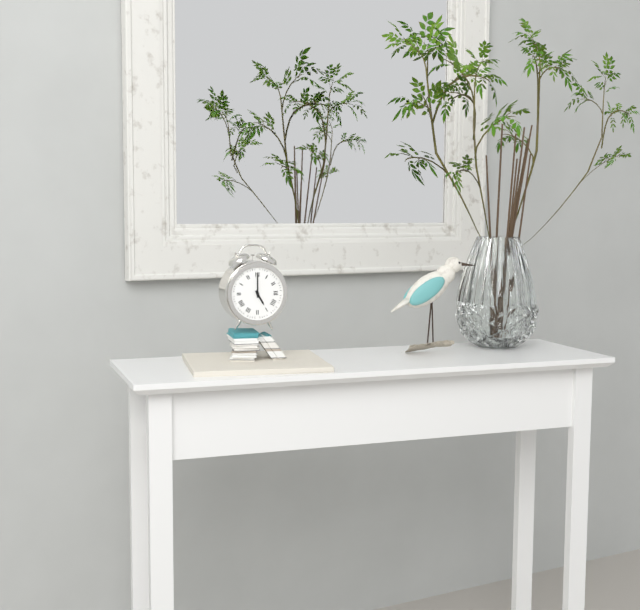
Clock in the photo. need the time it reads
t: 5:00
